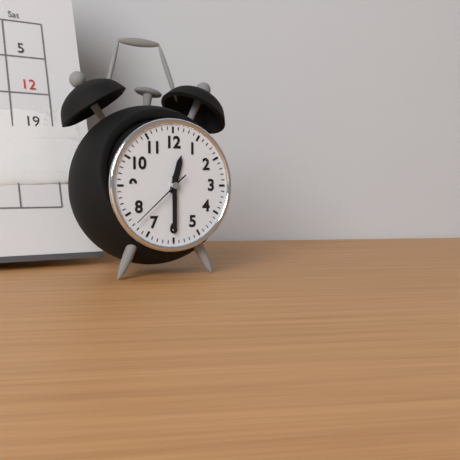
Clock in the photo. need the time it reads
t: 12:30:38
